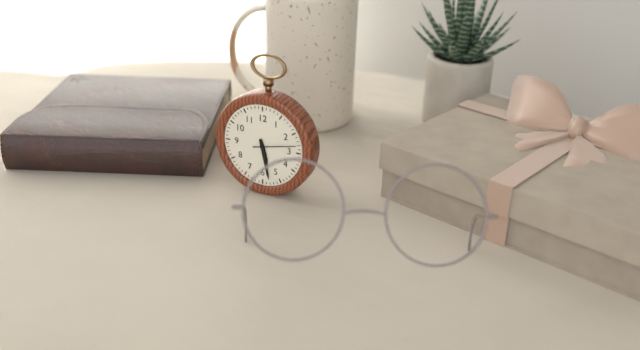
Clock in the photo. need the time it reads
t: 5:28
